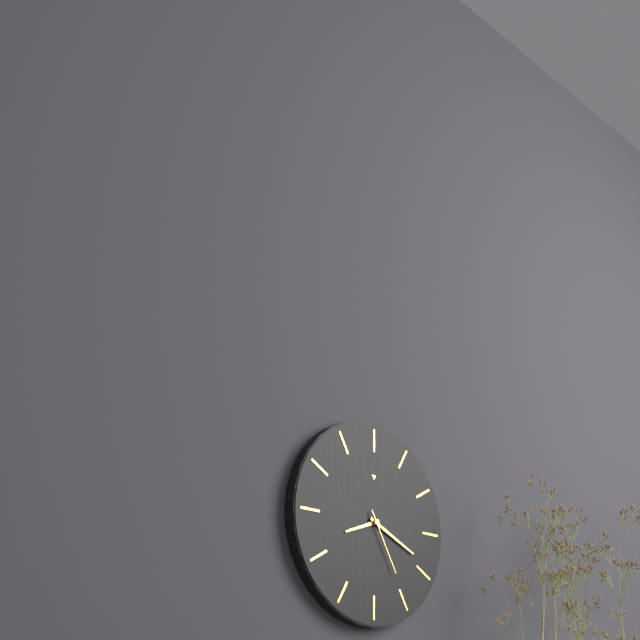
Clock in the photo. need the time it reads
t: 8:19:25
